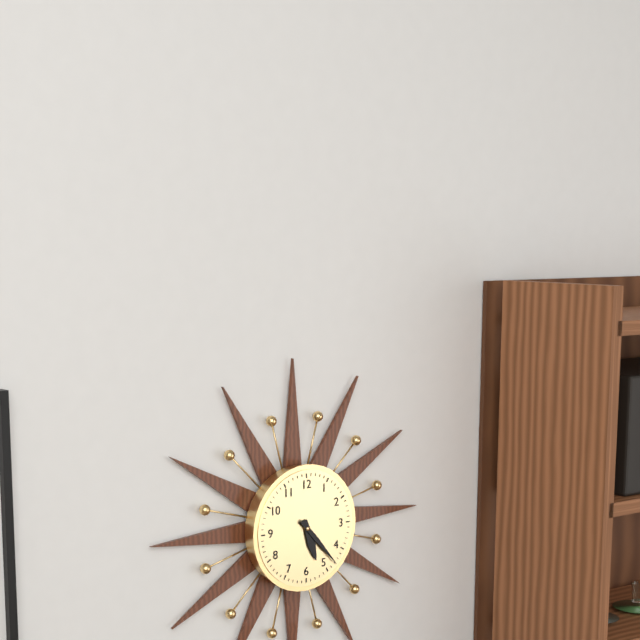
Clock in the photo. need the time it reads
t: 5:23
